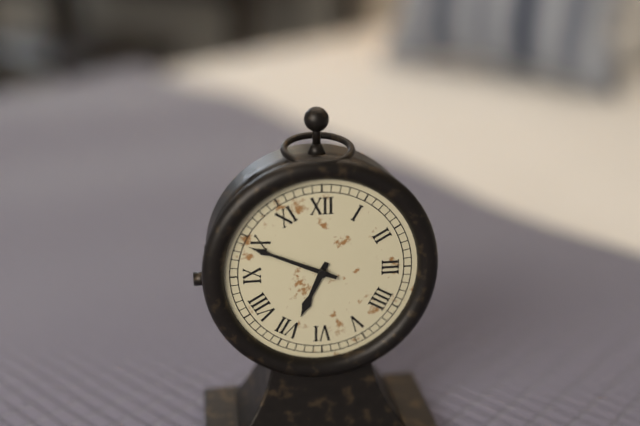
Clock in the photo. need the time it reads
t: 6:49
